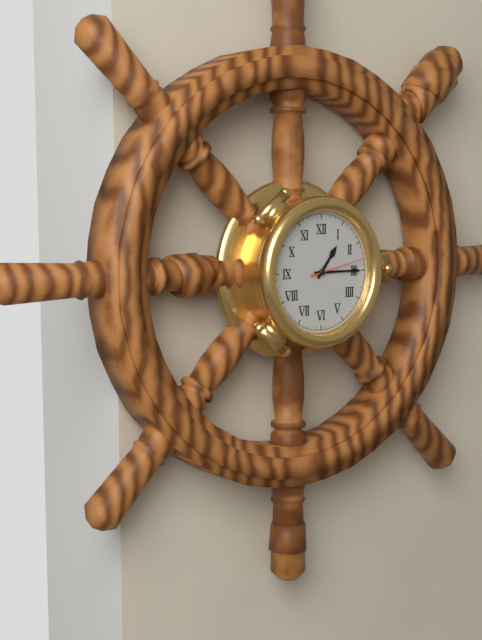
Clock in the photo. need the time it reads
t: 1:15:13
